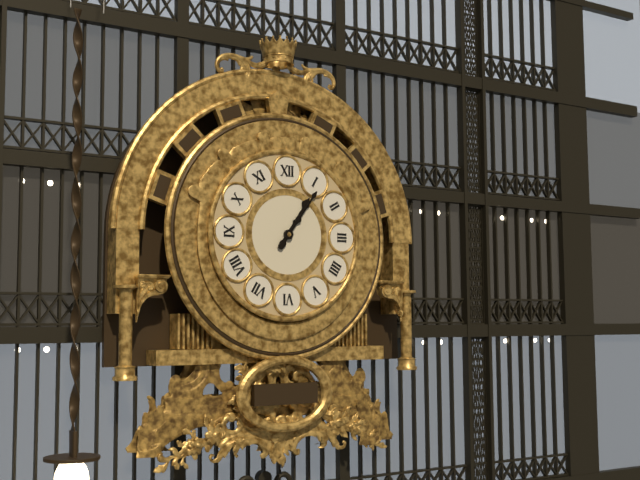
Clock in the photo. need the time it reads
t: 1:06
